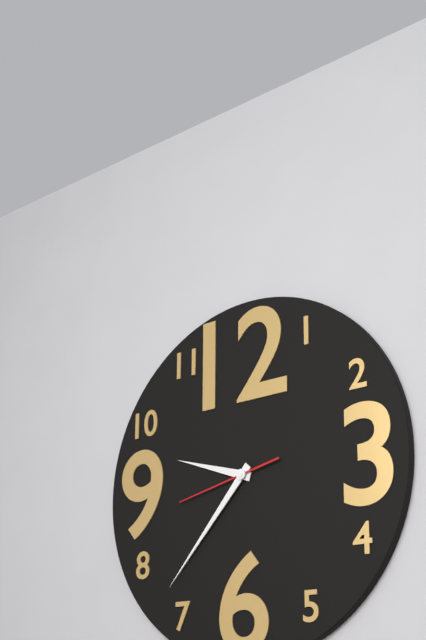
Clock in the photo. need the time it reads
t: 9:37:43
